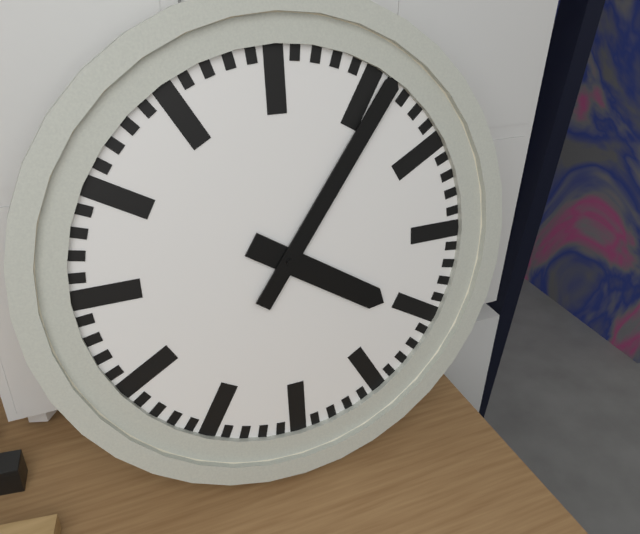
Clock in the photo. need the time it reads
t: 4:06
